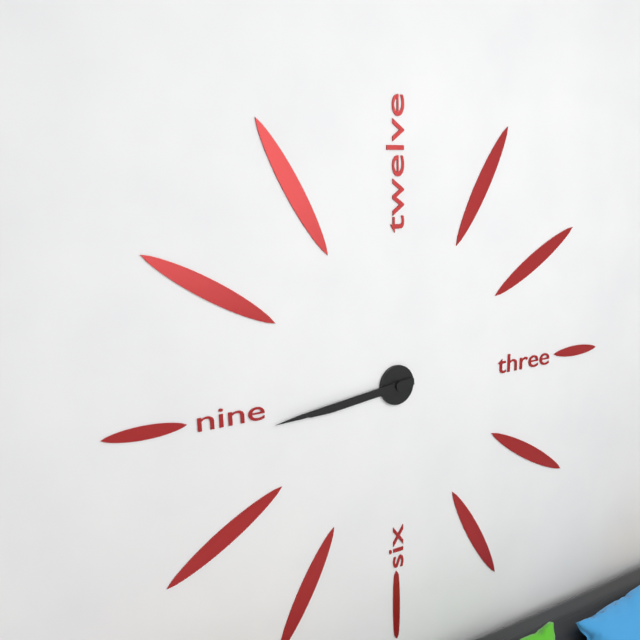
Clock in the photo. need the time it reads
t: 8:44
